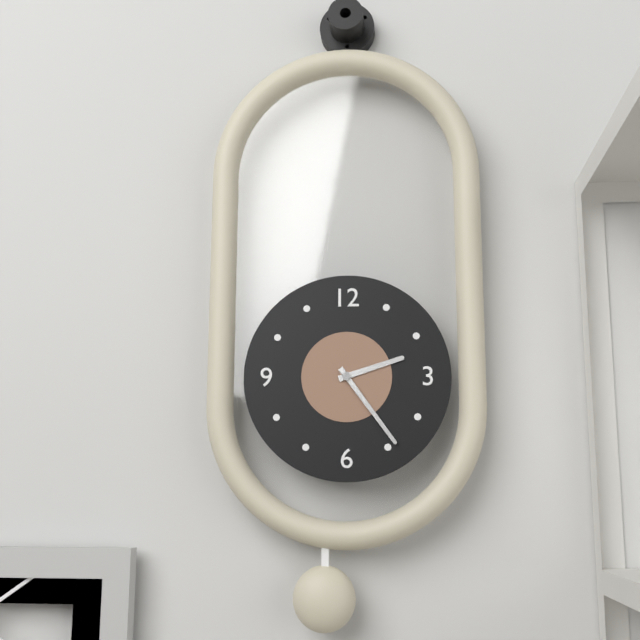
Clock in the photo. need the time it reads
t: 2:24
